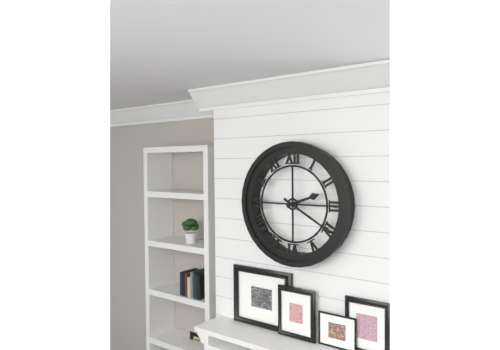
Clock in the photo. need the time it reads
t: 2:20
